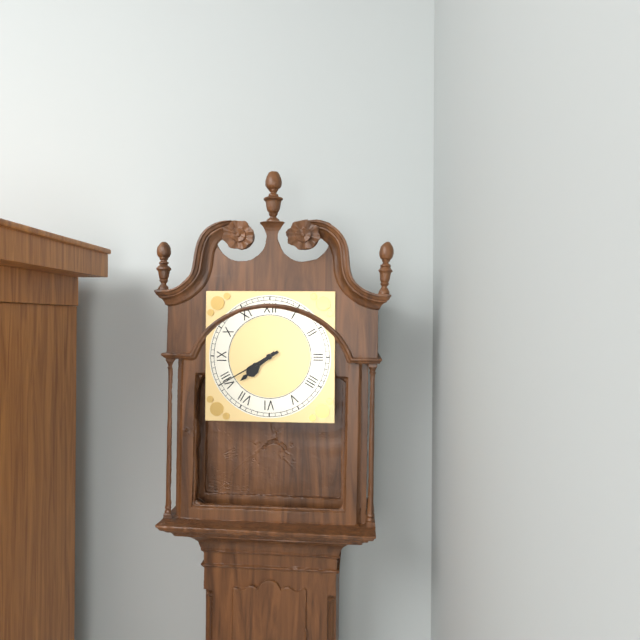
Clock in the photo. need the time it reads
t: 7:40
